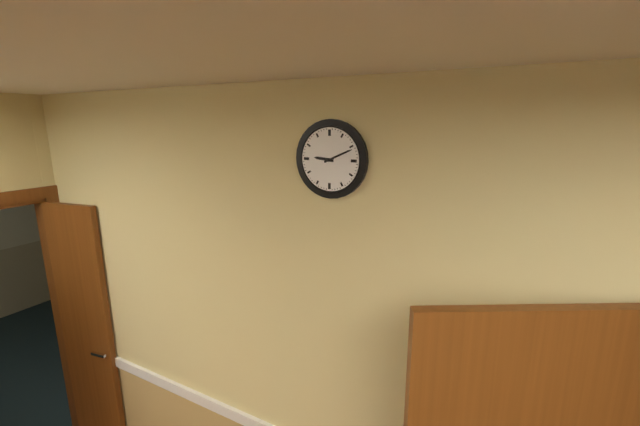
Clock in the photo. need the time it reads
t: 9:11
